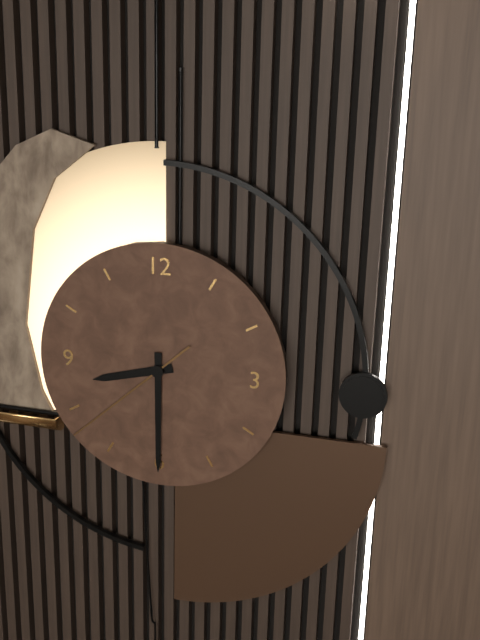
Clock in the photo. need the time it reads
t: 8:30:38
